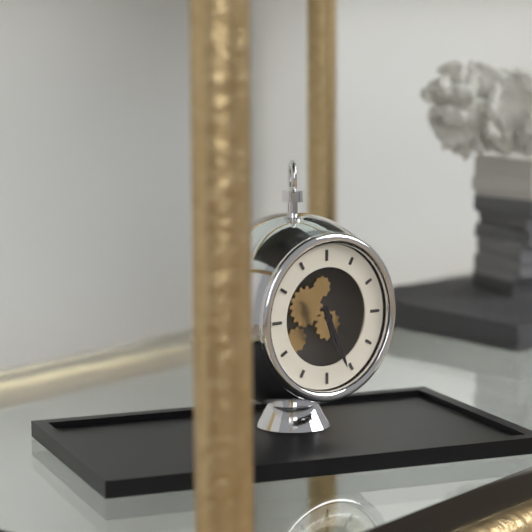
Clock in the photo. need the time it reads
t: 5:26
